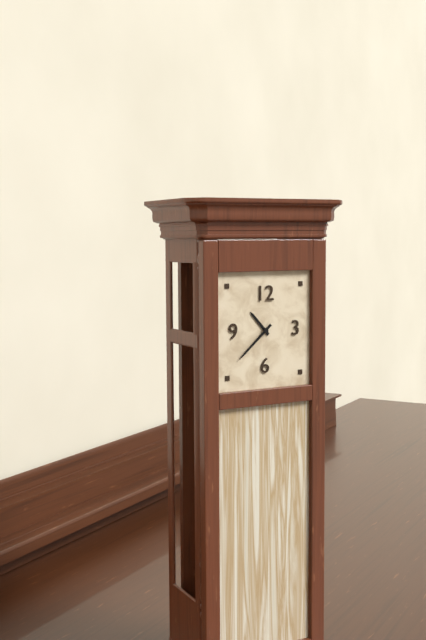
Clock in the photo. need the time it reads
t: 10:38
